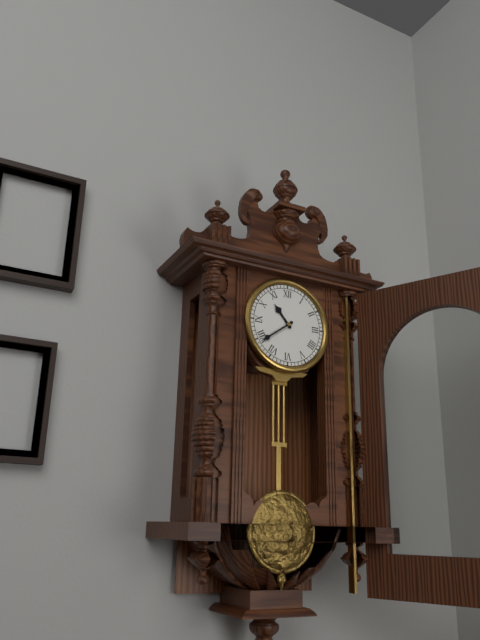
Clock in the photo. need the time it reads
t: 10:39
